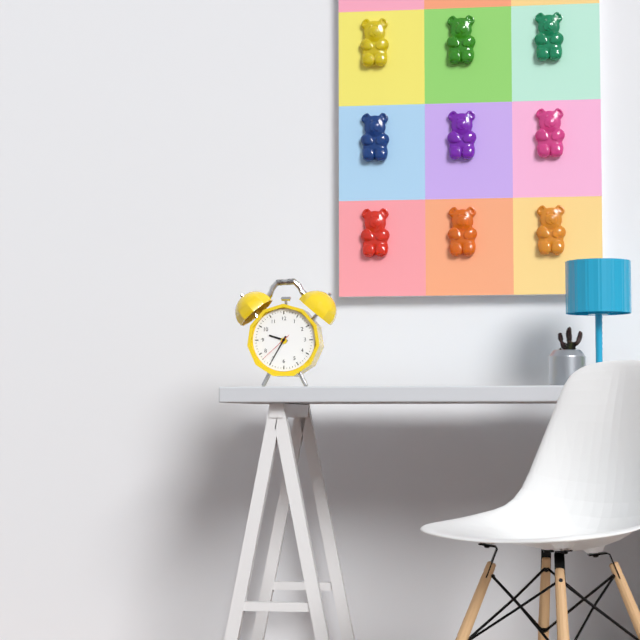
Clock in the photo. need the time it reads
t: 9:35
